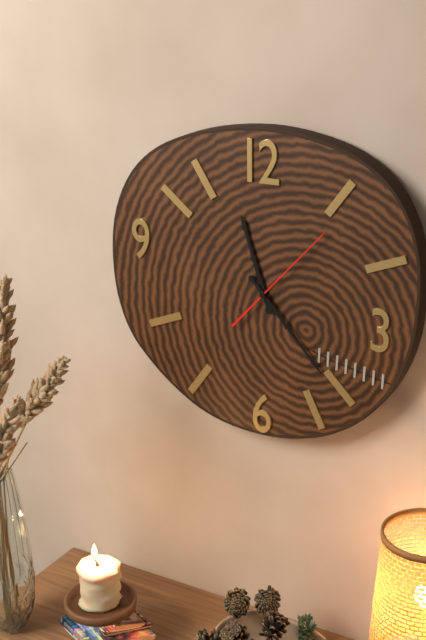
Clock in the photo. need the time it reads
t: 11:23:07
